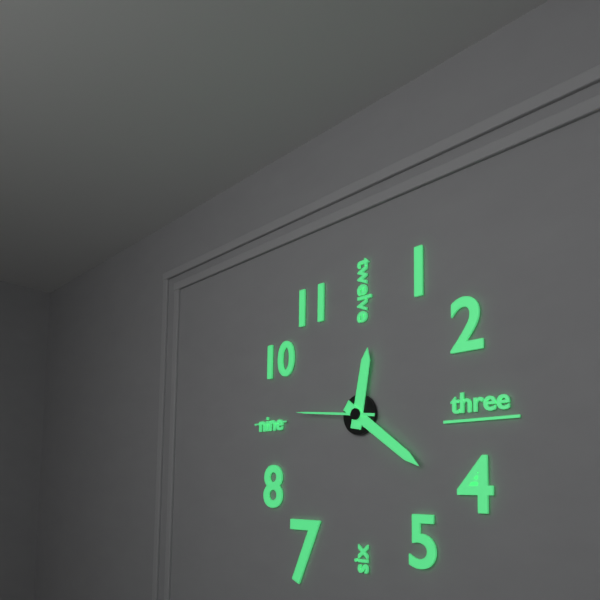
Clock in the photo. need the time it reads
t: 12:21:46
